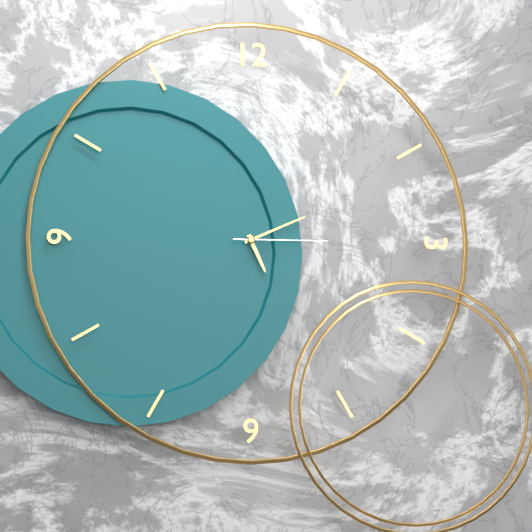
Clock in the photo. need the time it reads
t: 5:11:15
